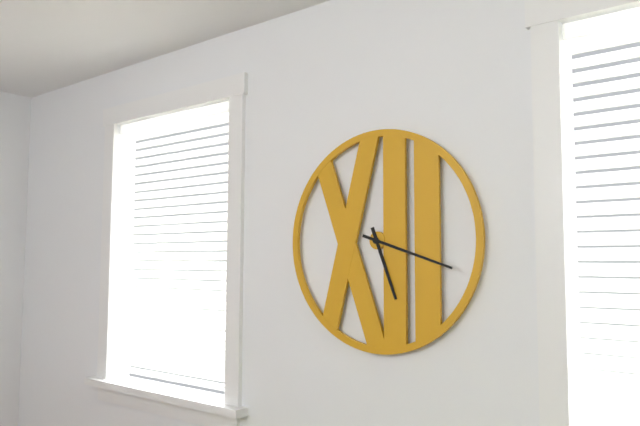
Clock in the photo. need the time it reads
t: 5:18
